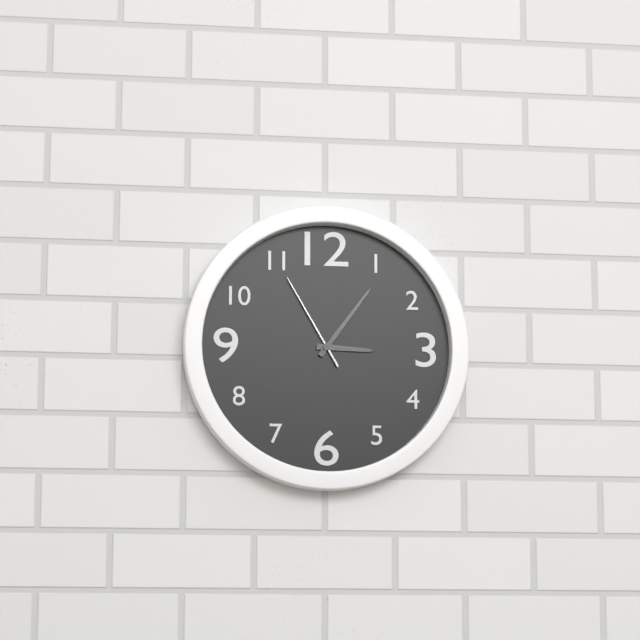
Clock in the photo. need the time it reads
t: 3:06:55
